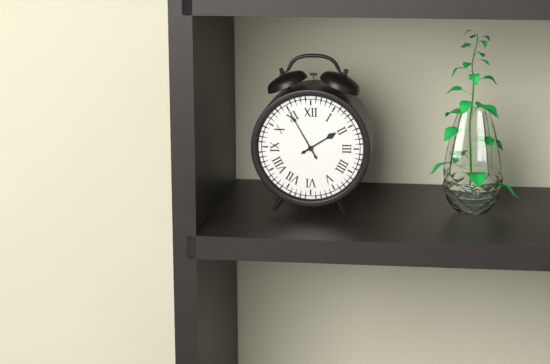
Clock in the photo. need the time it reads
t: 1:55
